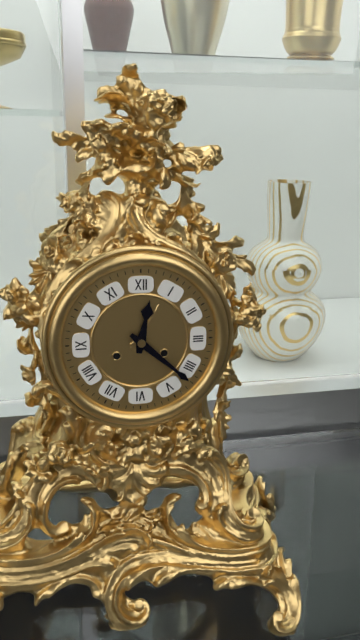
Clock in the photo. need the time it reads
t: 12:22
